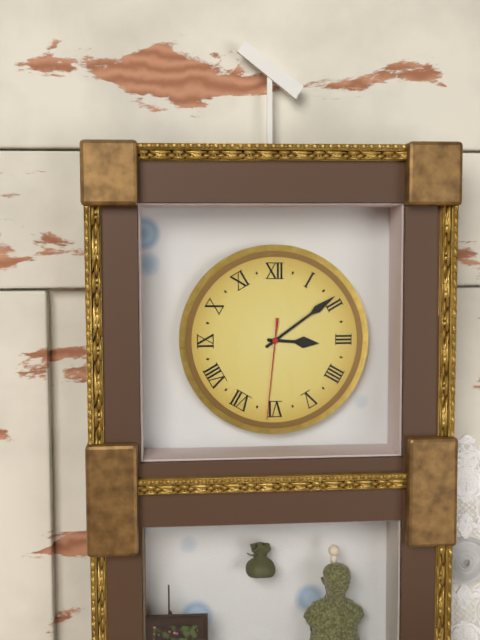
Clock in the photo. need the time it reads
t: 3:09:31
